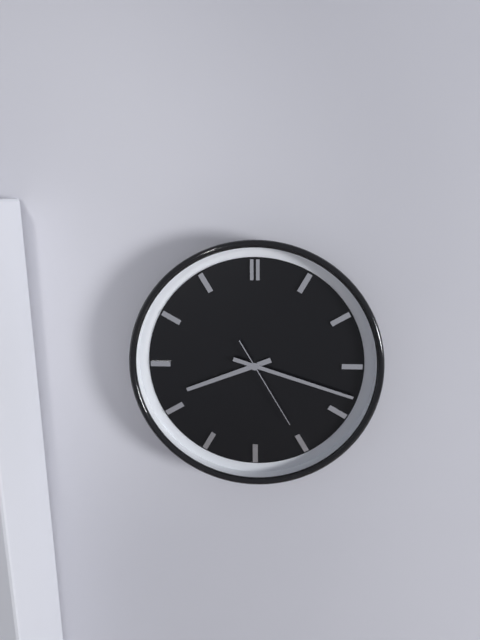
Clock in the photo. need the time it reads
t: 8:18:25
